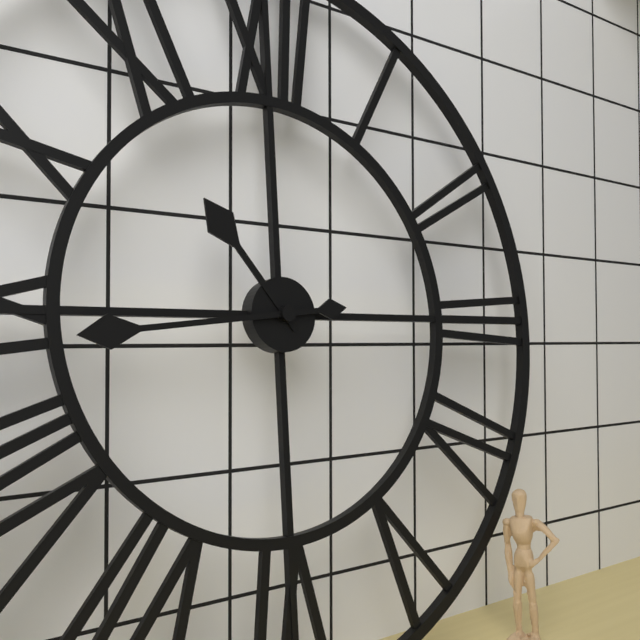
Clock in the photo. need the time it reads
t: 10:44
